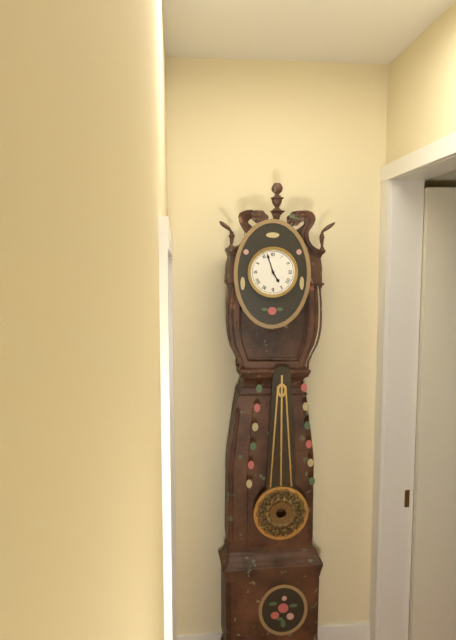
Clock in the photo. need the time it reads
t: 4:57
